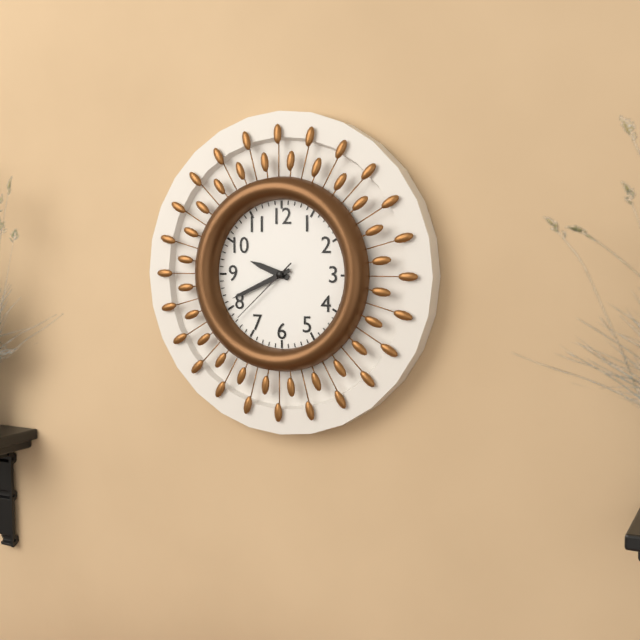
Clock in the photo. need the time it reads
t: 9:41:38
